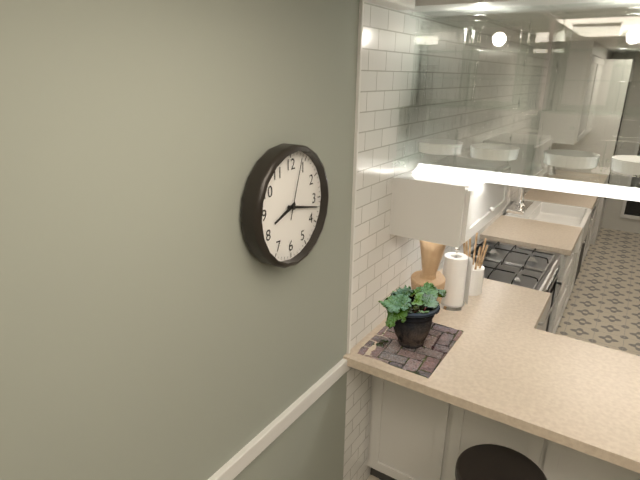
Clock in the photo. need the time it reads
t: 8:17:03
